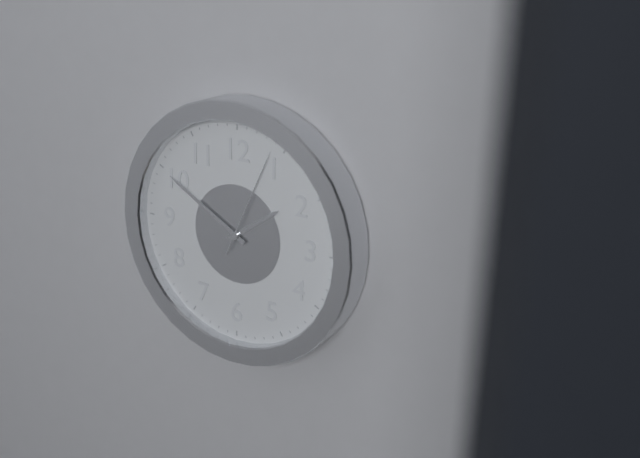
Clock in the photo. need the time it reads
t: 1:50:04
